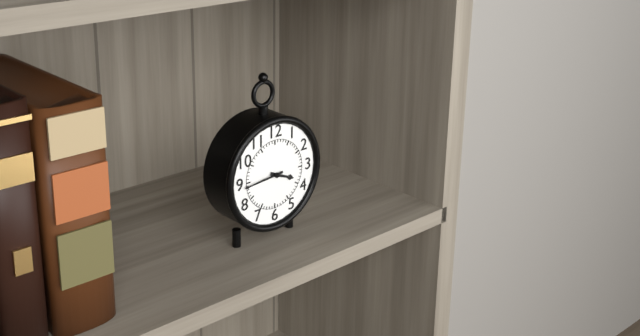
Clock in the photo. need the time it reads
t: 3:44
